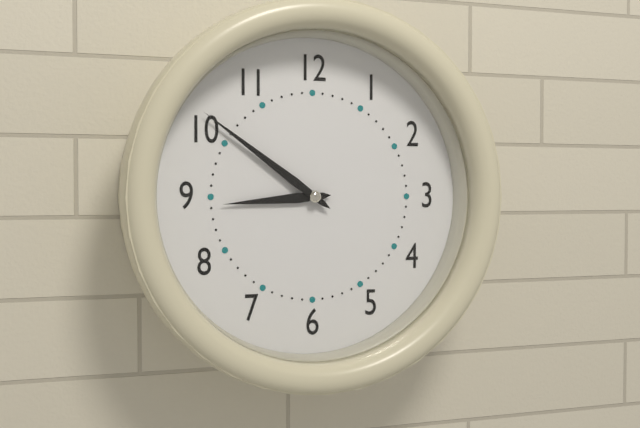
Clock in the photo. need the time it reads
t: 8:51
